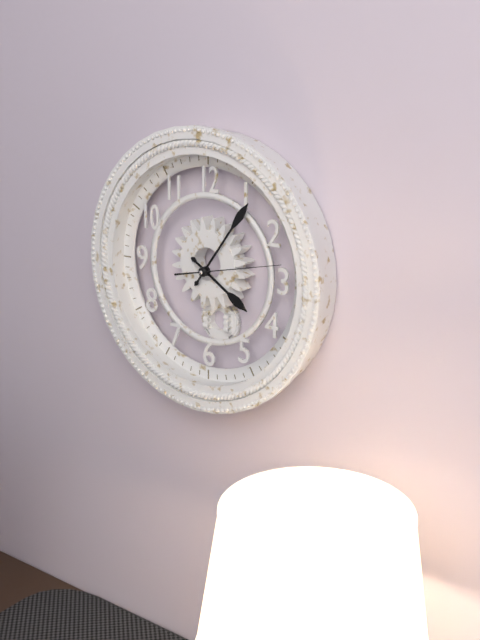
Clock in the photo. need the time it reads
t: 4:06:13
